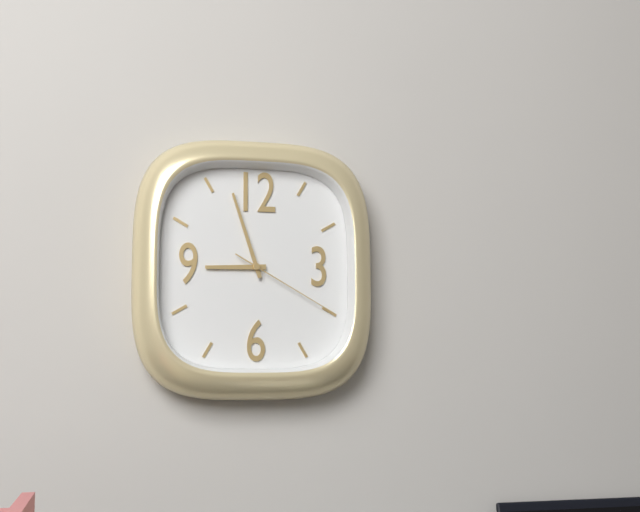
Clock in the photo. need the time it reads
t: 8:57:20
